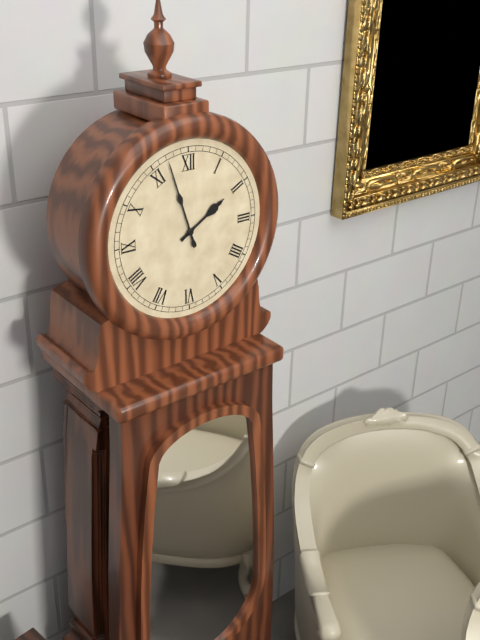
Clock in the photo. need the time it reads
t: 1:57
